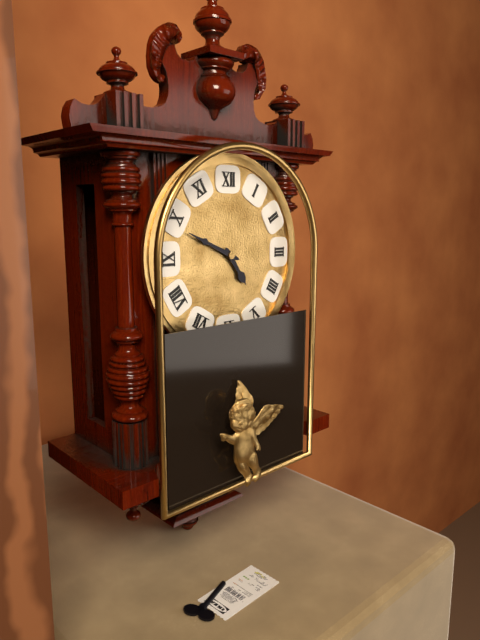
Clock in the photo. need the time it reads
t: 4:49
